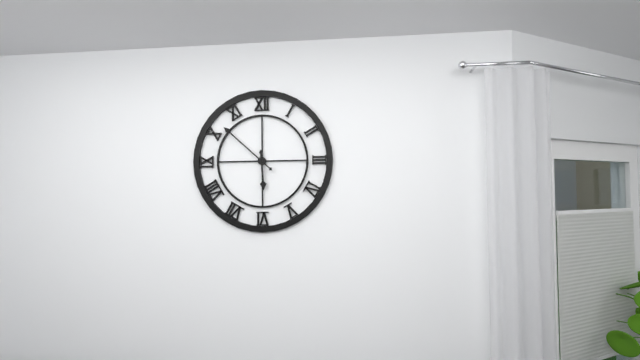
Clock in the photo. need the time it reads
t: 5:52
